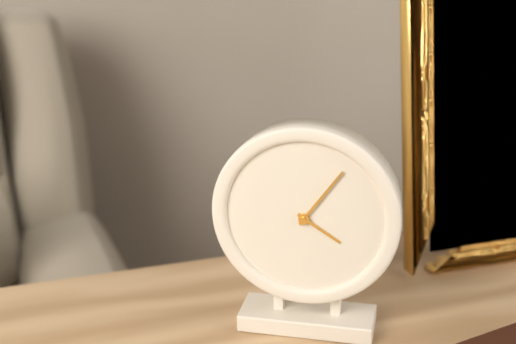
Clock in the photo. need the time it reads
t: 4:06
